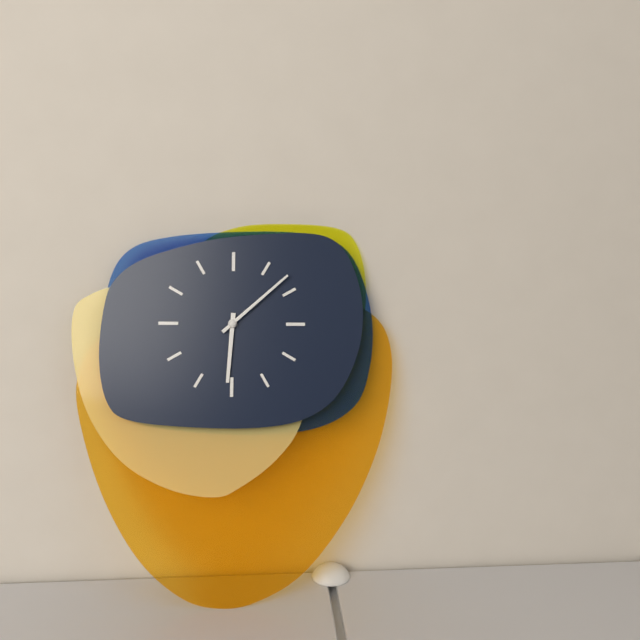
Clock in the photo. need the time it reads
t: 6:08
